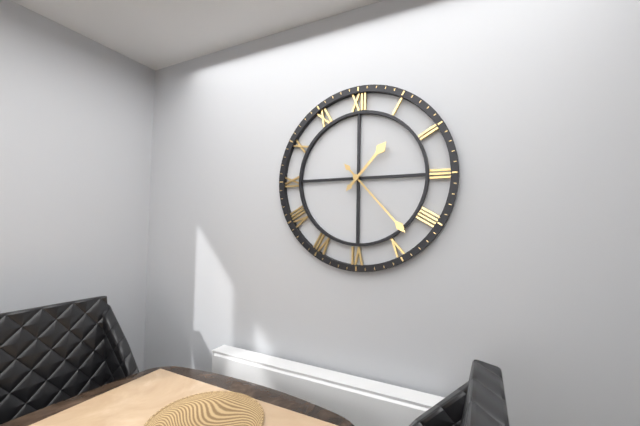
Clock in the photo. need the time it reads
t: 1:23
